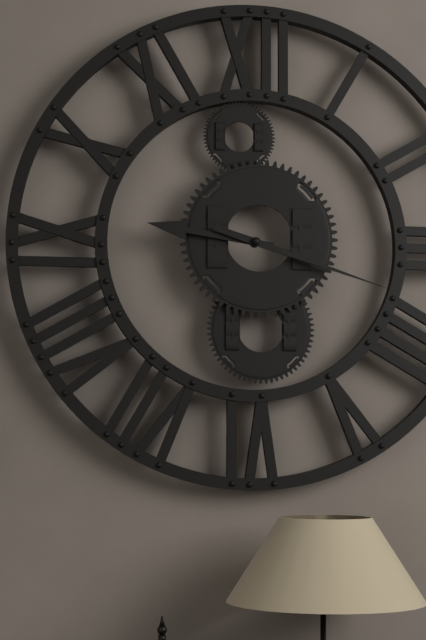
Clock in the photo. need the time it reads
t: 9:18
